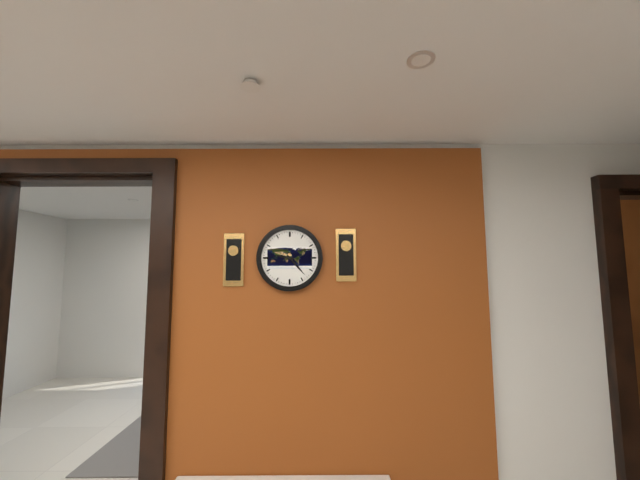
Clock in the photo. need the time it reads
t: 9:23
